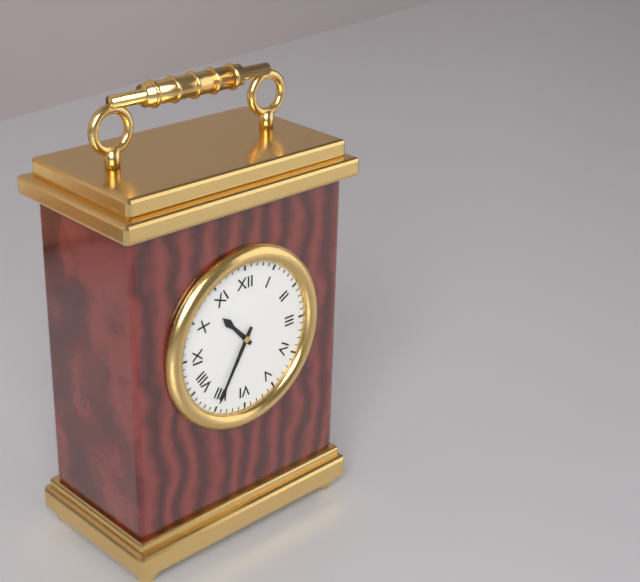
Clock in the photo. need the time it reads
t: 10:35
